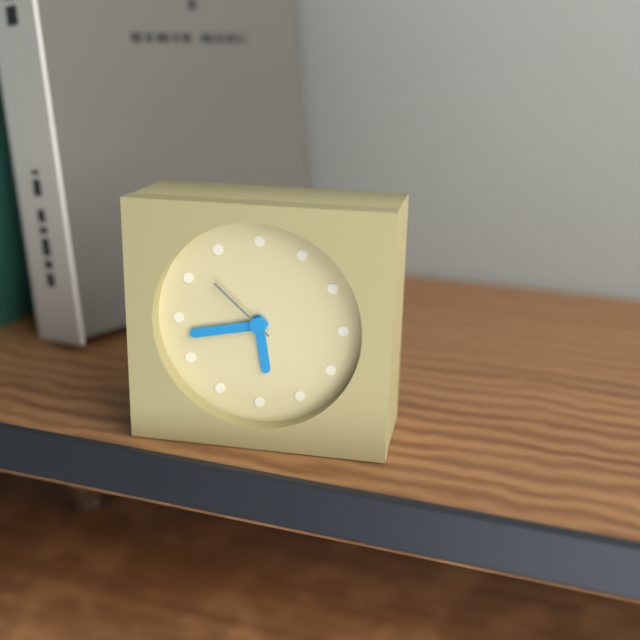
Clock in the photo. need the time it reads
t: 5:43:52
